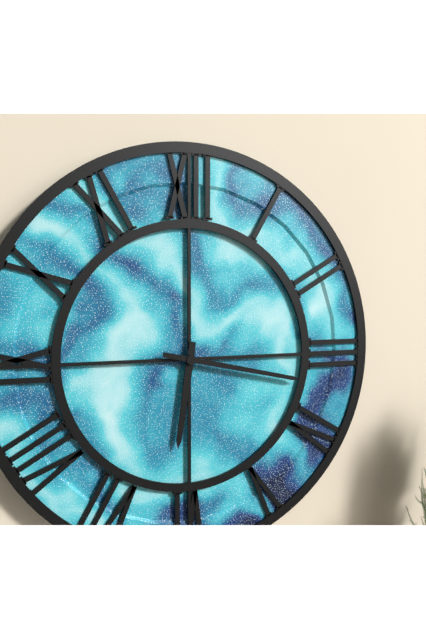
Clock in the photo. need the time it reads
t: 6:17
